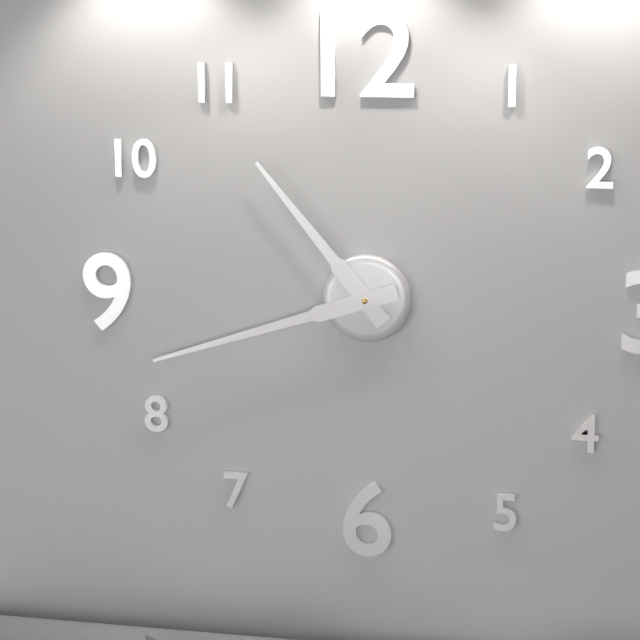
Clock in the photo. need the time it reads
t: 10:42
